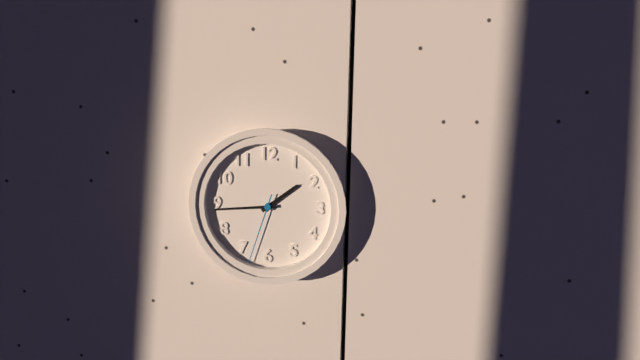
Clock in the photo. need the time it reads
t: 1:44:33
